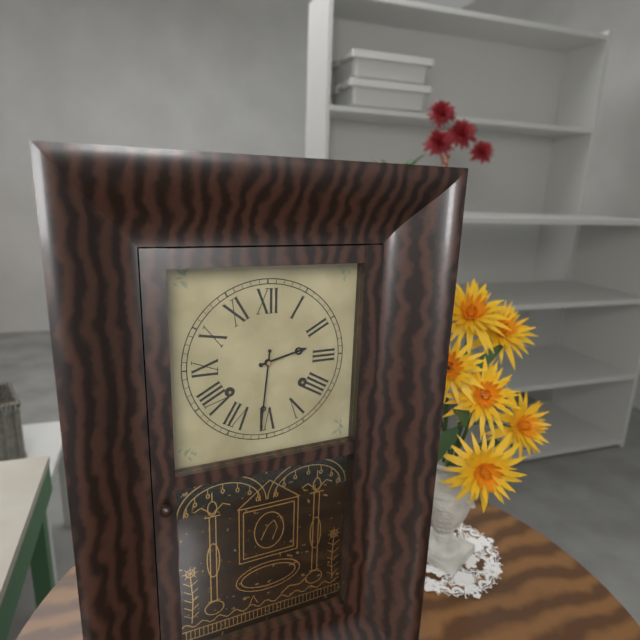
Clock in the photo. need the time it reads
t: 2:31
